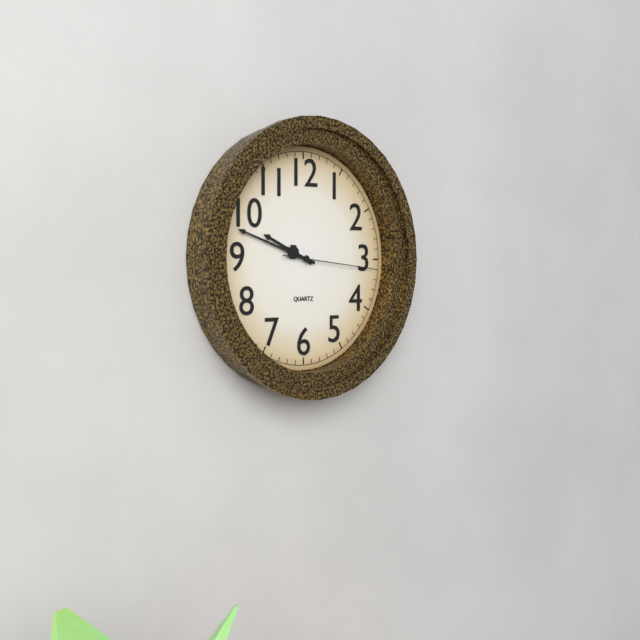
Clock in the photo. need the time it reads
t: 9:48:16
